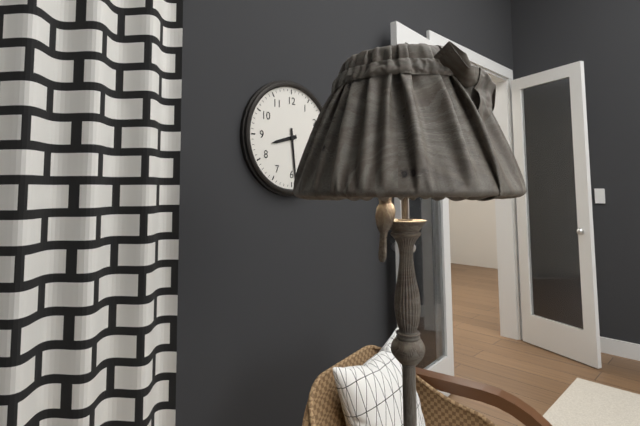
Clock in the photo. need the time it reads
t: 8:29
